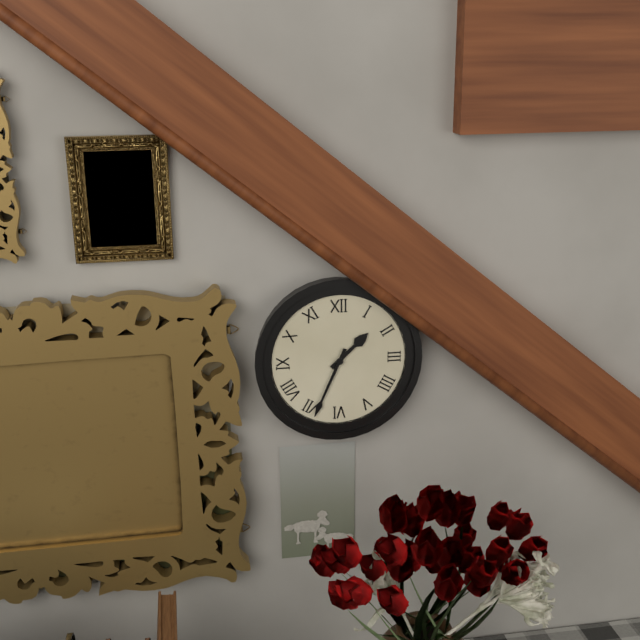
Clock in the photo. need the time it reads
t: 1:34
